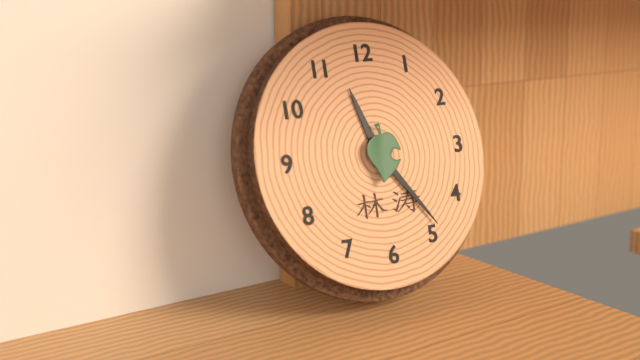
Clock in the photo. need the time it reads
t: 11:24
